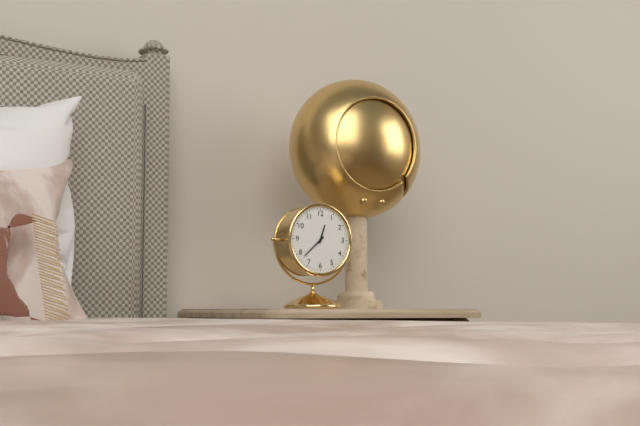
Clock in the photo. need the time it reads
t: 12:38
